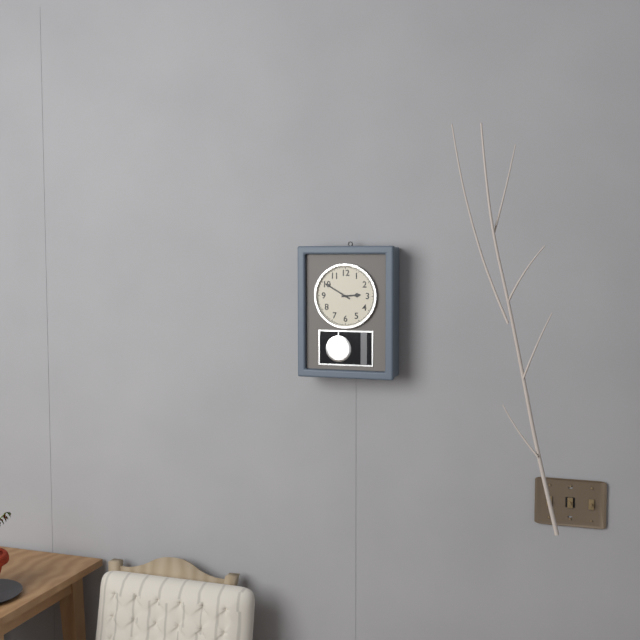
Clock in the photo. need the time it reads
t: 2:50
